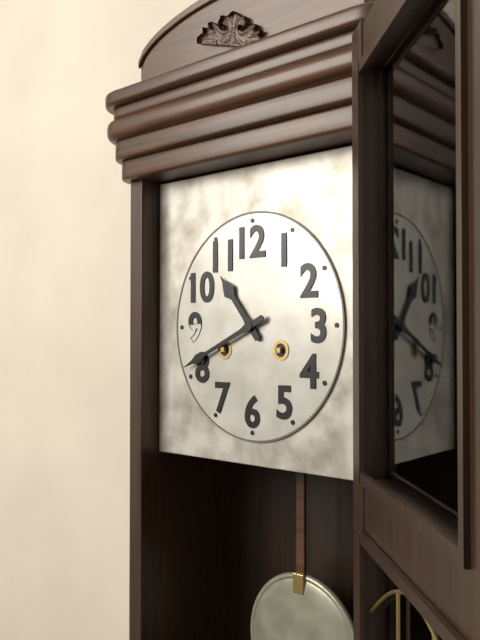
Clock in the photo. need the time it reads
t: 10:41
